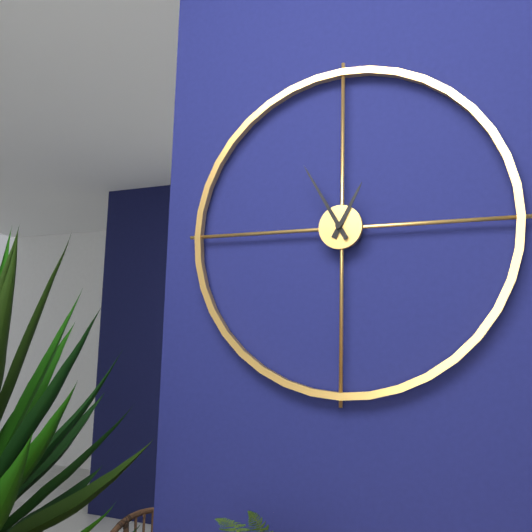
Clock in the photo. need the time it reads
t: 12:55
